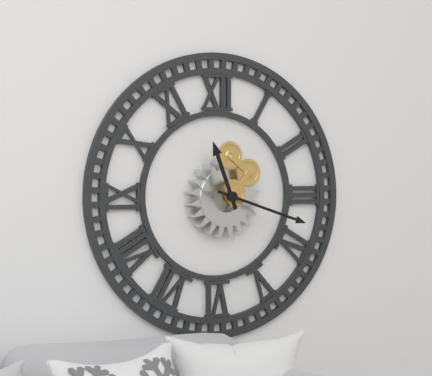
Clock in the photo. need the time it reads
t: 11:18
